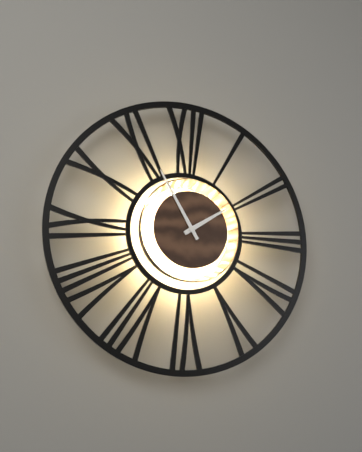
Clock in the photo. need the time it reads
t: 1:55
